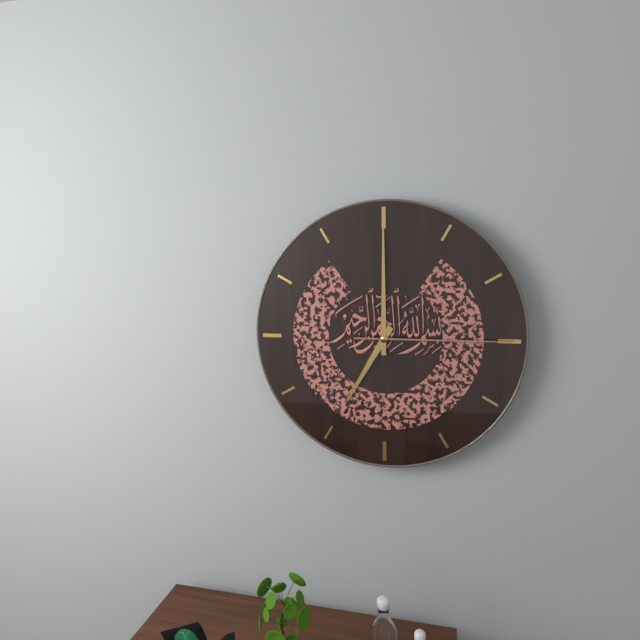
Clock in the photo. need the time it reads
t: 7:00:15
